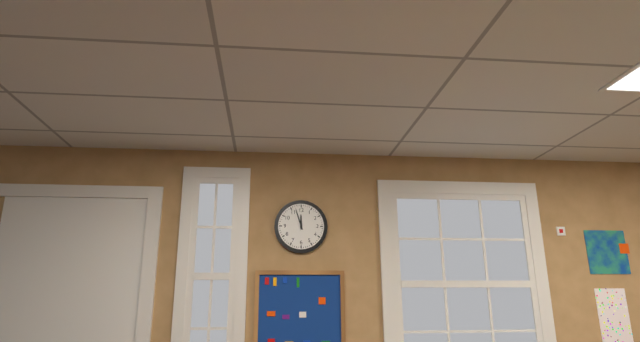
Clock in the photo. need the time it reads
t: 11:57
